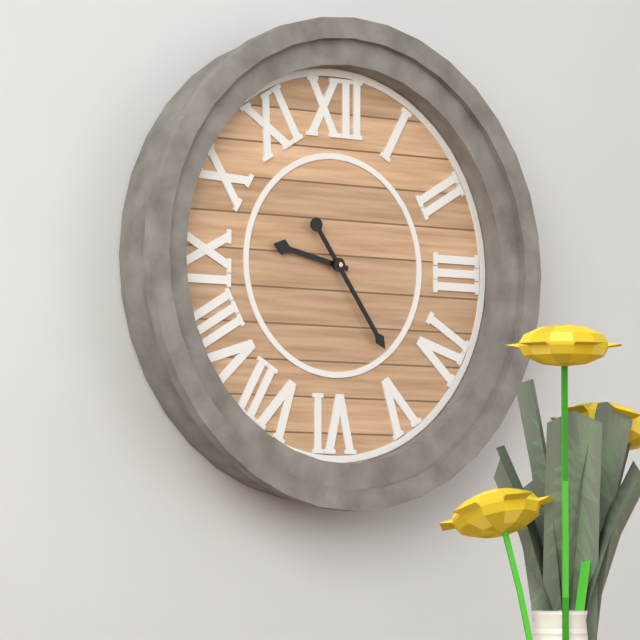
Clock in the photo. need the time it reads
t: 9:24
